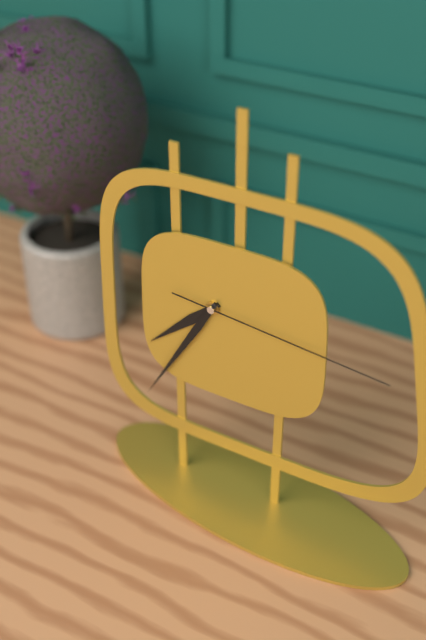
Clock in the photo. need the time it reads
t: 7:35:16
